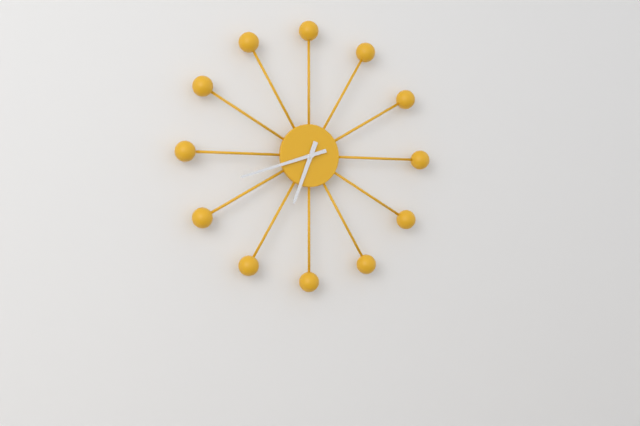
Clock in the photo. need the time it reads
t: 6:42
